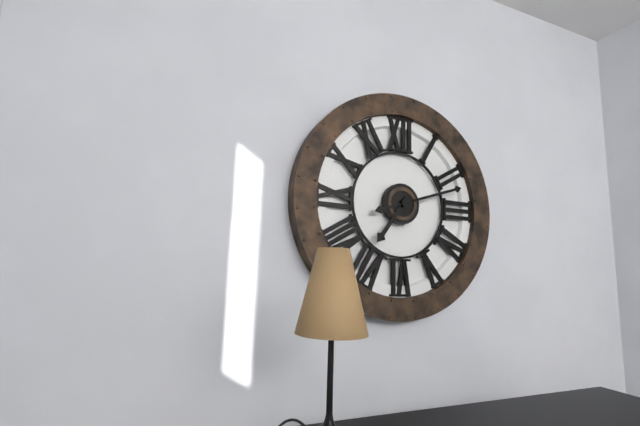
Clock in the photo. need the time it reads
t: 7:12
